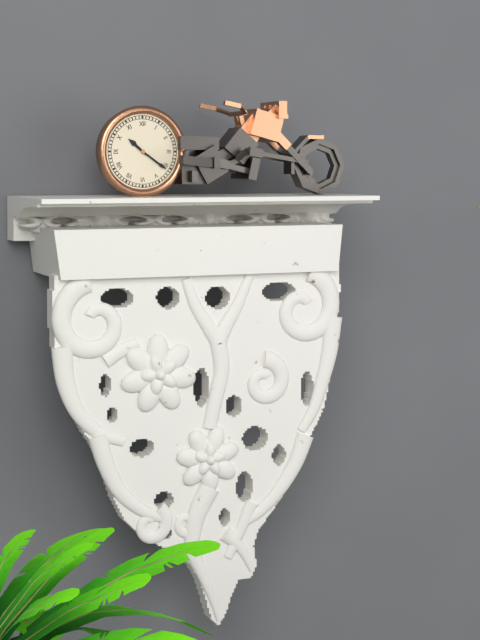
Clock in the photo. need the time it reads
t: 10:21
